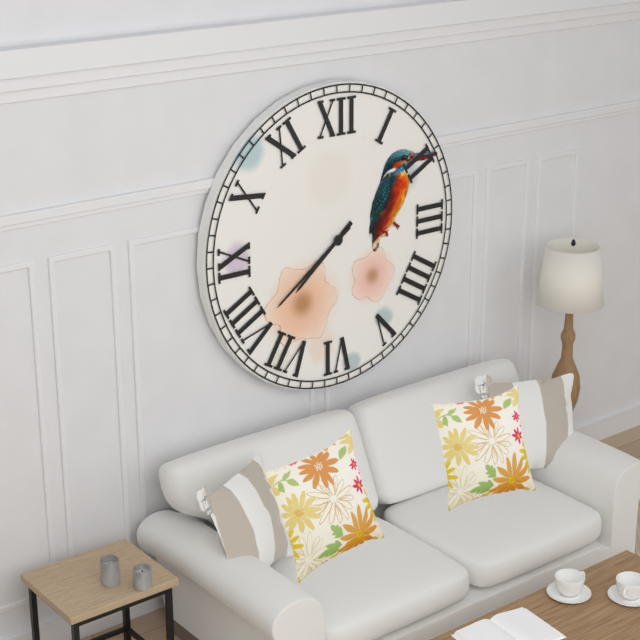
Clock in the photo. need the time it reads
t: 7:39
